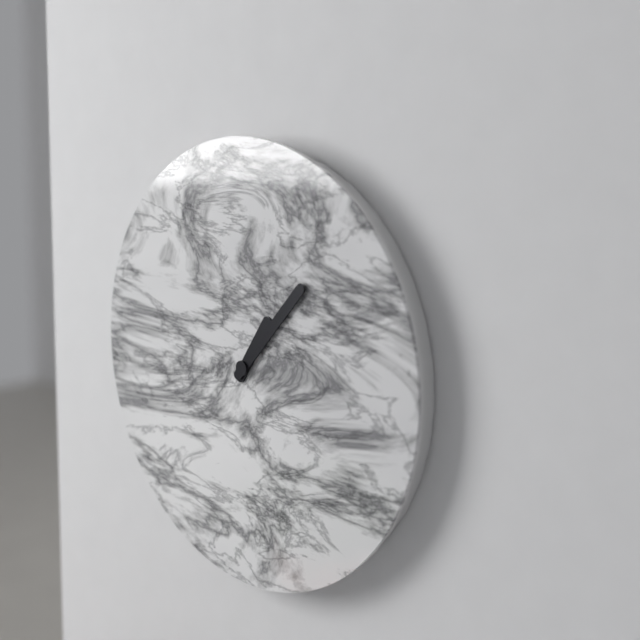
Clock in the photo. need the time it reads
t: 1:07
